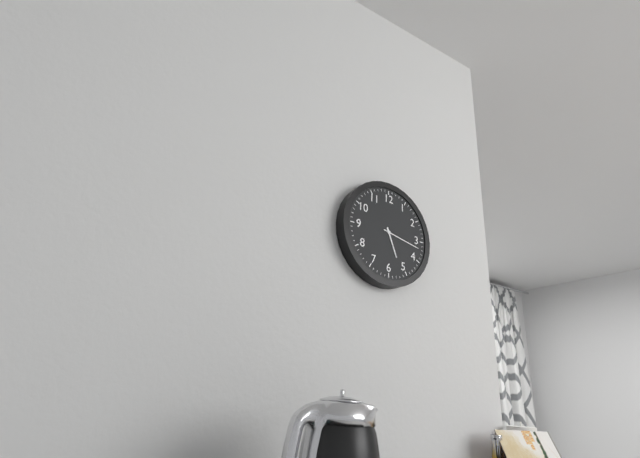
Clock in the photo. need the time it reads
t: 5:17
